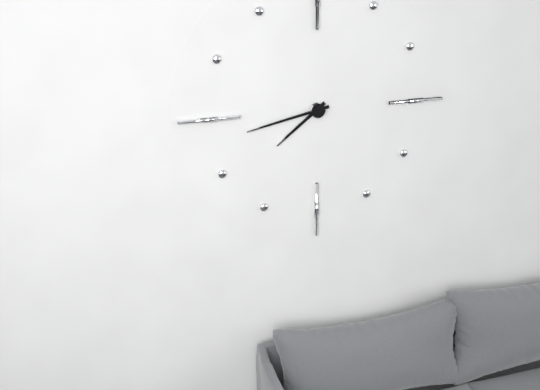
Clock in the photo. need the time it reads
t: 7:43
